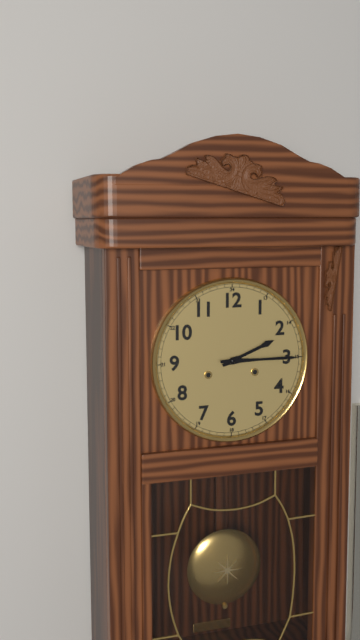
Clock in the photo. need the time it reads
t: 2:15
